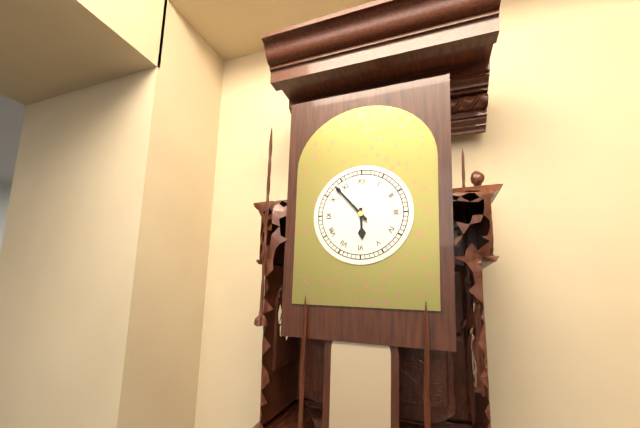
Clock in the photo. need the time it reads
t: 5:53
